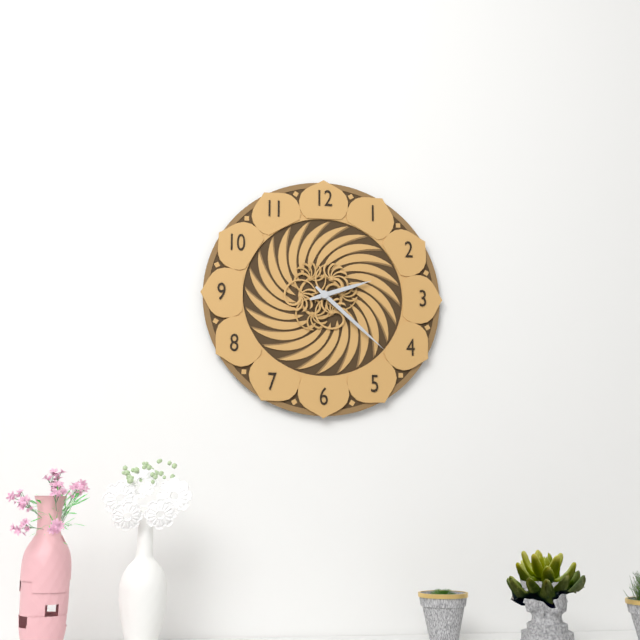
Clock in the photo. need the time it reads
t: 2:22
